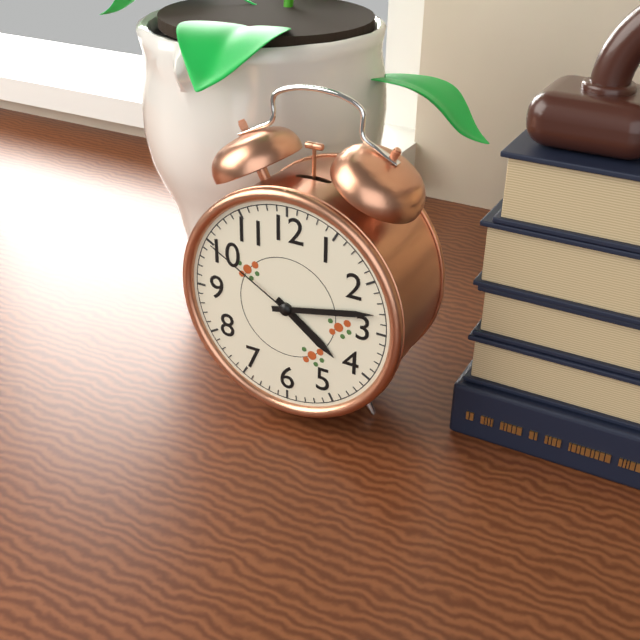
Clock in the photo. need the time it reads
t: 4:13:50
